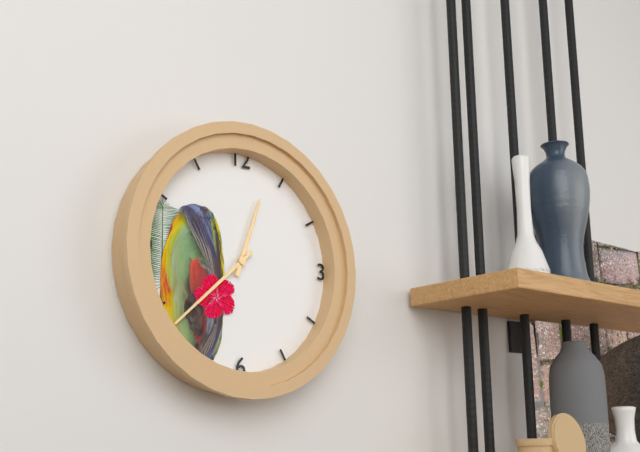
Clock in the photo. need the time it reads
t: 12:38
